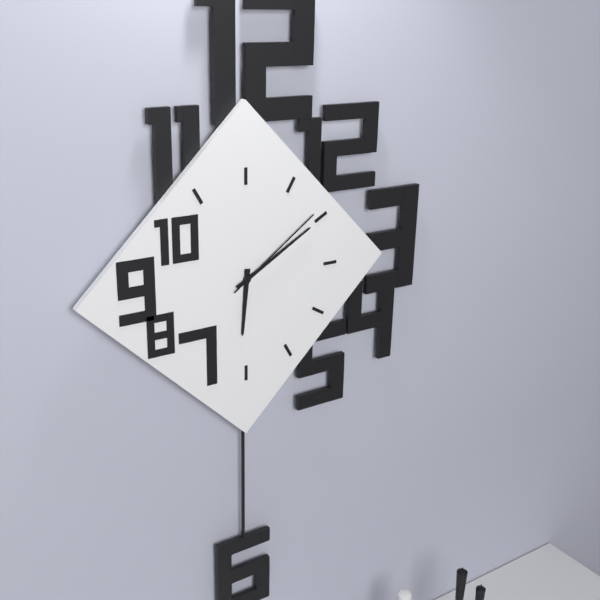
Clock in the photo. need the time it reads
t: 6:10:09
